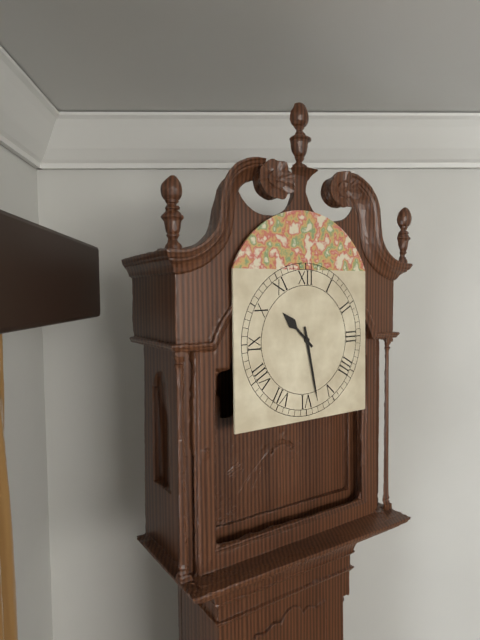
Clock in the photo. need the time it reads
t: 10:28
